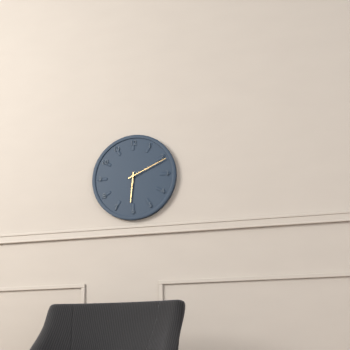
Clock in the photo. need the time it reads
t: 6:11
